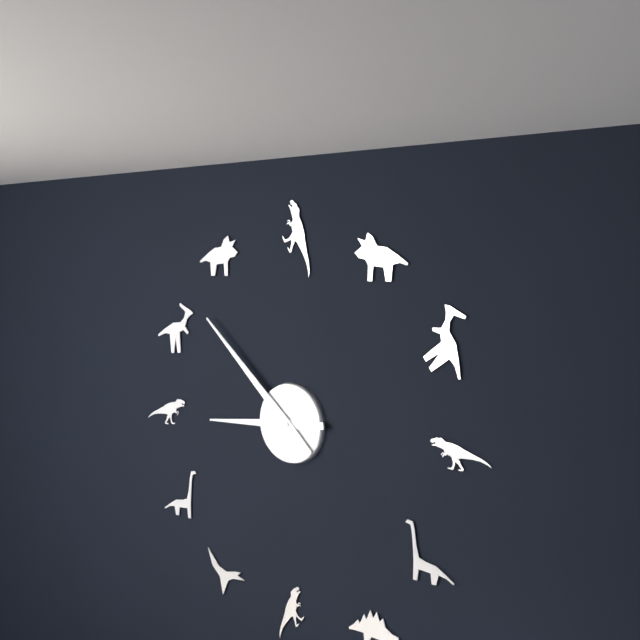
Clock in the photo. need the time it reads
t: 8:52
